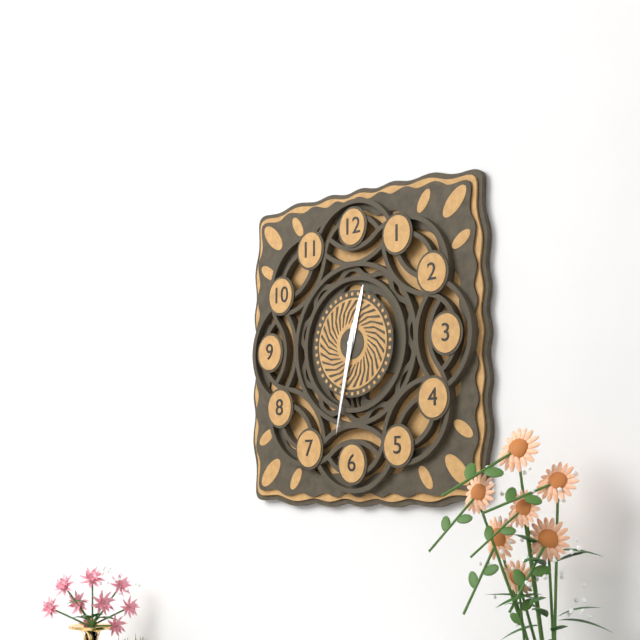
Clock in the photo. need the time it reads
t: 12:32
